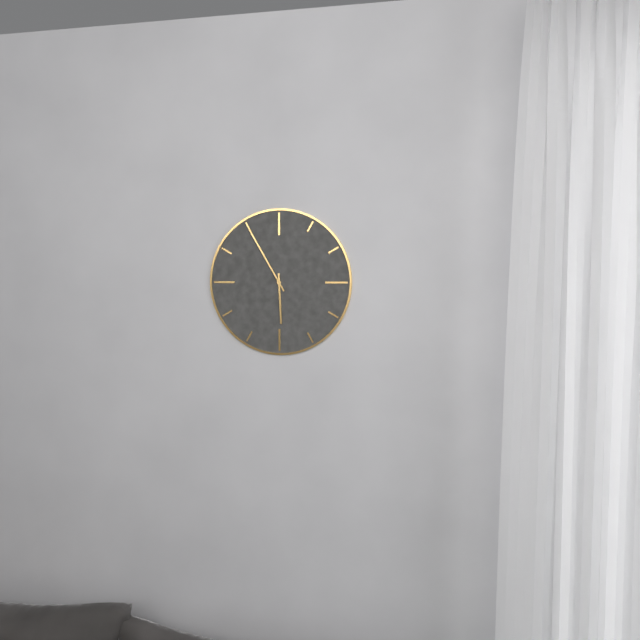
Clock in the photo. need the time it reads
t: 5:55
